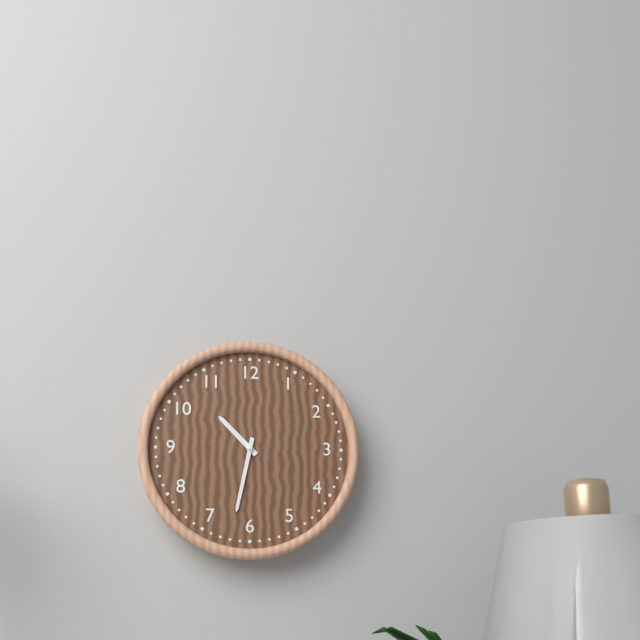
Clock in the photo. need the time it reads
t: 10:32
